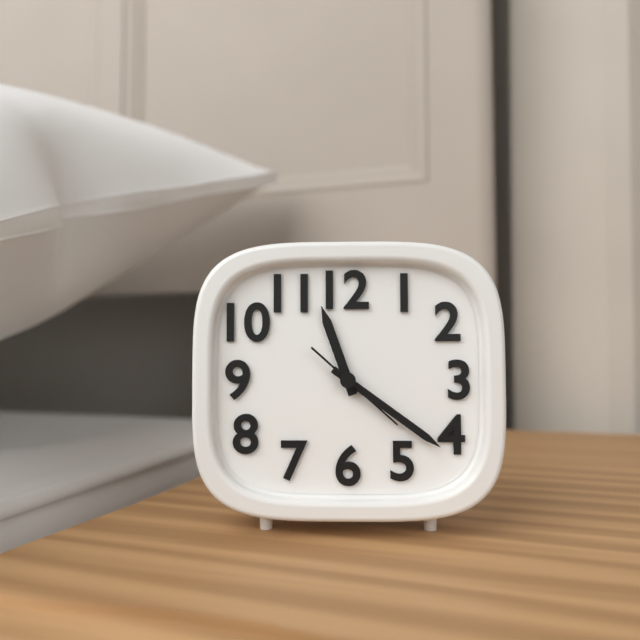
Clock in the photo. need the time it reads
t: 11:21:22
